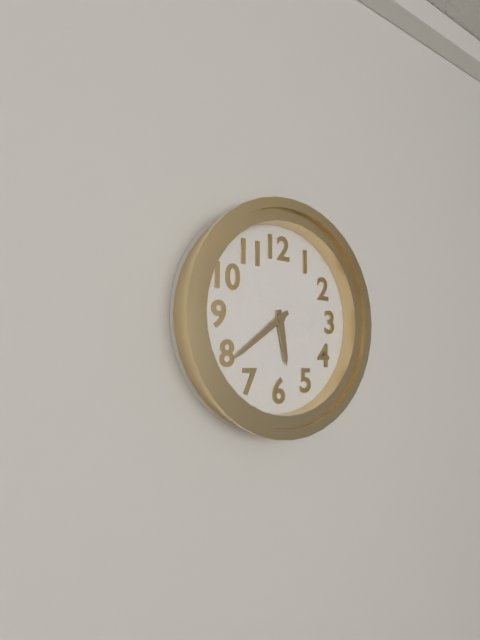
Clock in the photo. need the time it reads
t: 5:39
